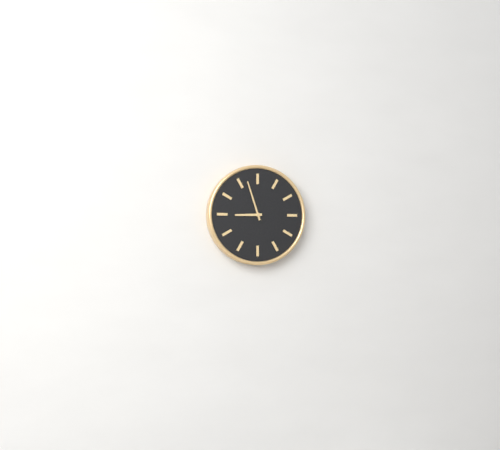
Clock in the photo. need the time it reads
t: 8:57
